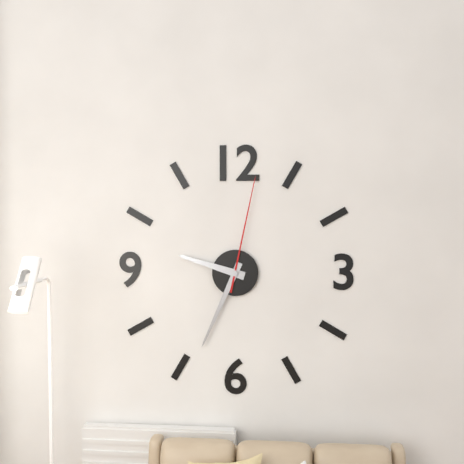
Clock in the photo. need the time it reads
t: 9:34:02
